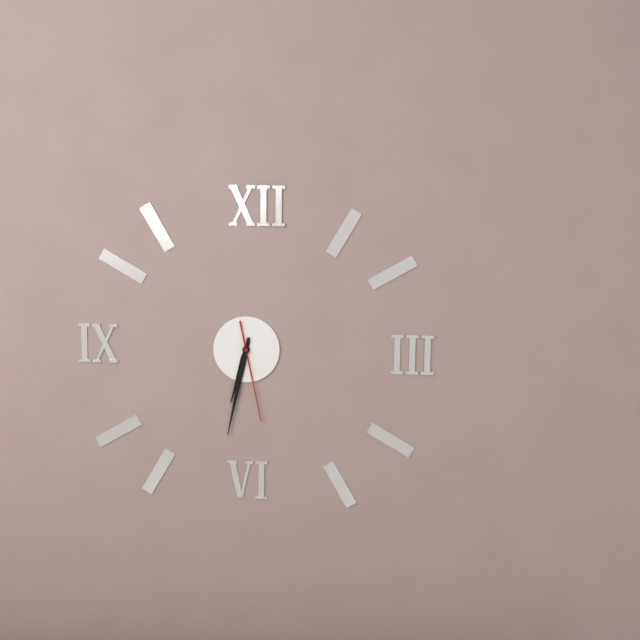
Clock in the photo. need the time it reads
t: 6:32:28
